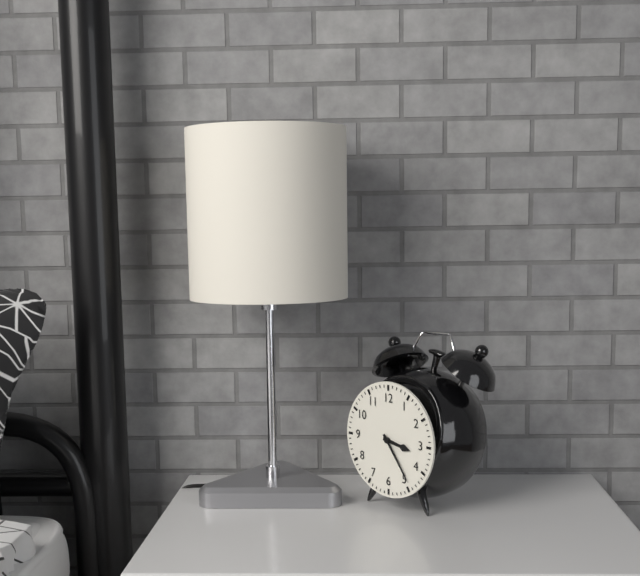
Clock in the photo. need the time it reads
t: 3:24
